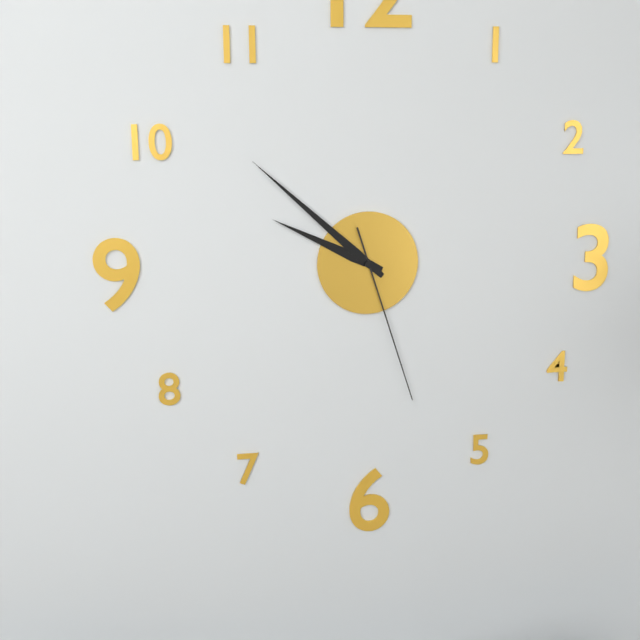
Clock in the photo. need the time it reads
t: 9:52:27
